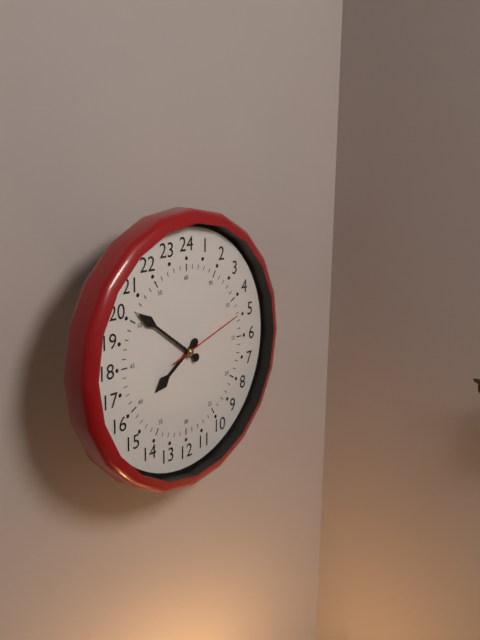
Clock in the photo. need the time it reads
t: 7:51:12
